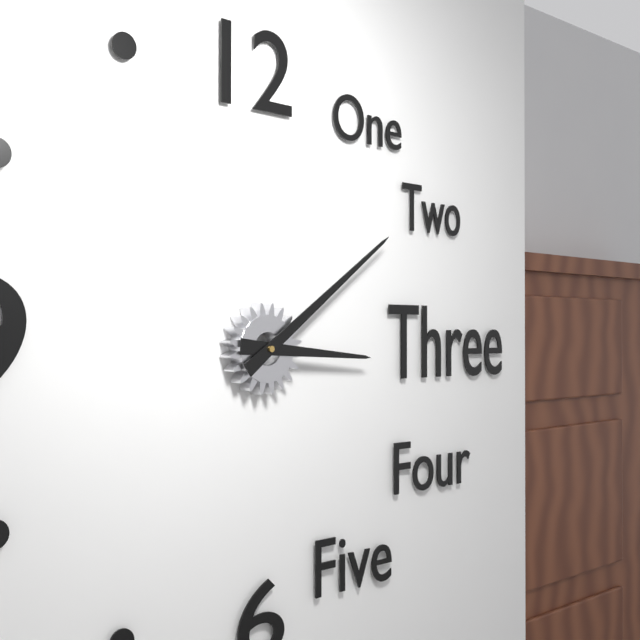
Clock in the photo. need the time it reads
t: 3:09
